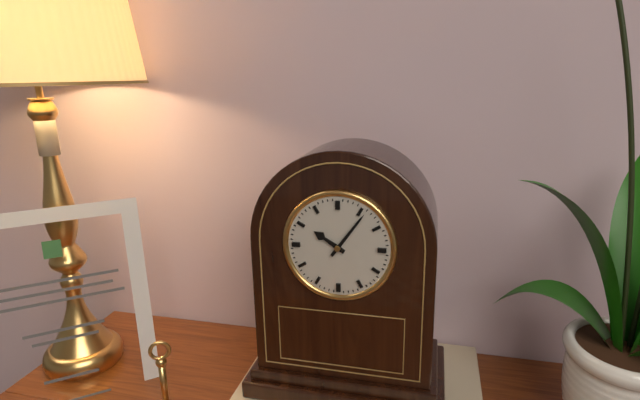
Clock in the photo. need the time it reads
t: 10:06
